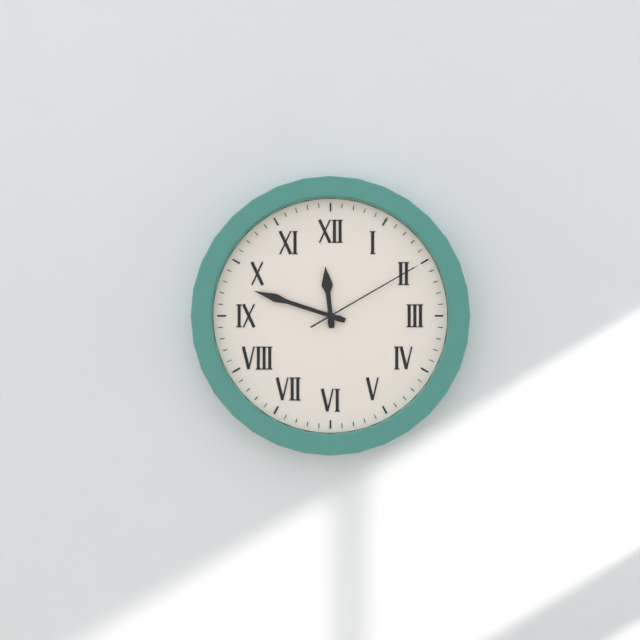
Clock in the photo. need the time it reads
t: 11:48:10
